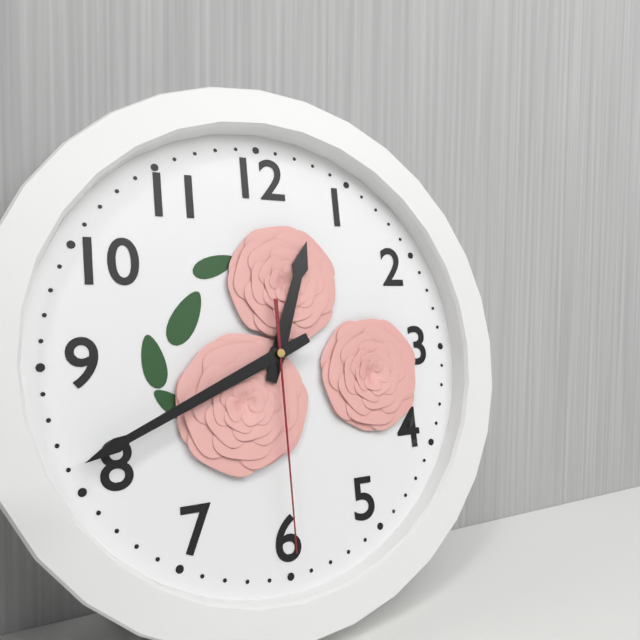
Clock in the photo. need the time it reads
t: 12:41:30
